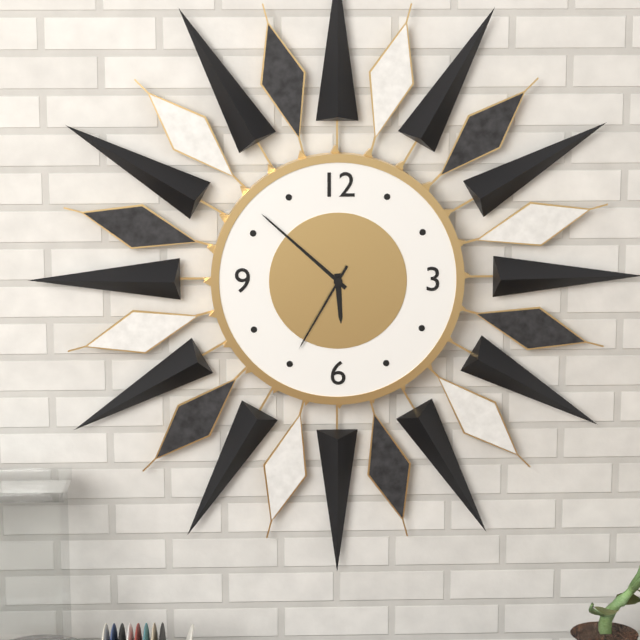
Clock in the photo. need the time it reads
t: 5:52:35
